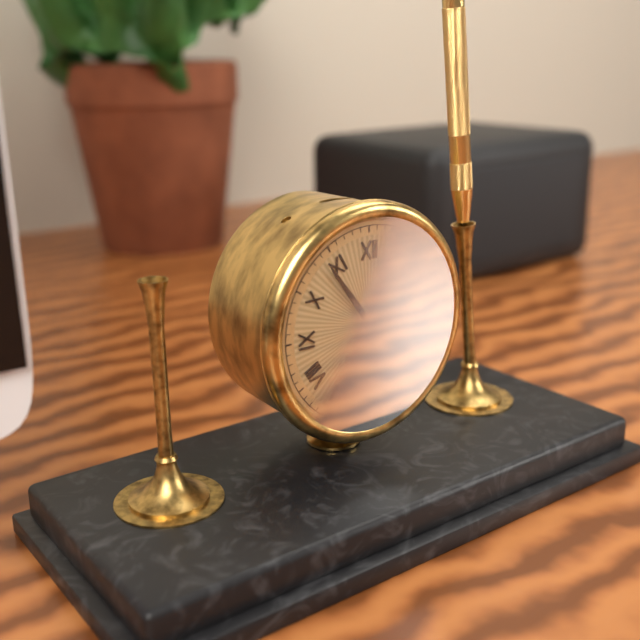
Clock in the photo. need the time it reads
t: 4:54:05
